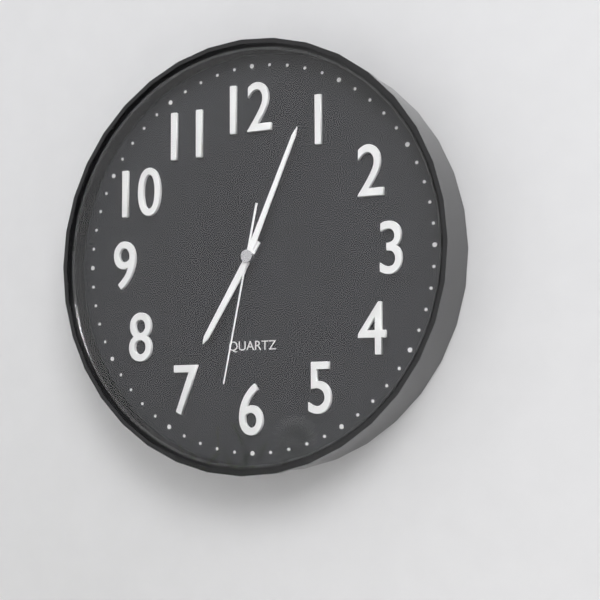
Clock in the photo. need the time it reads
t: 7:04:32
